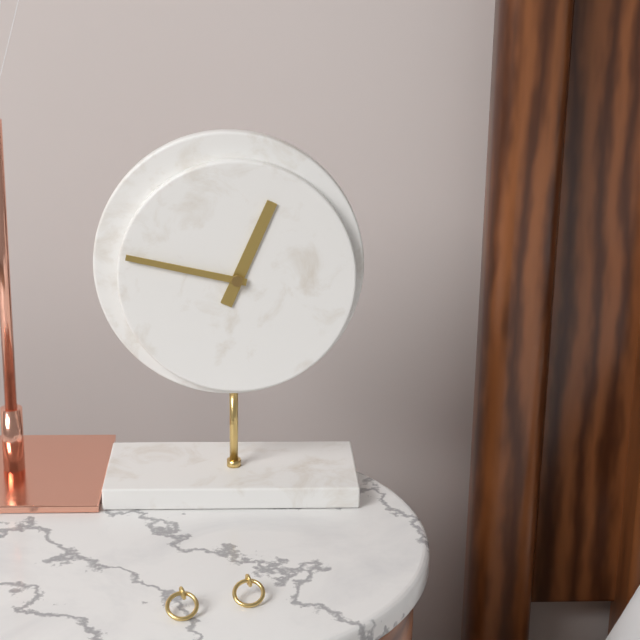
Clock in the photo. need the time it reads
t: 12:47
